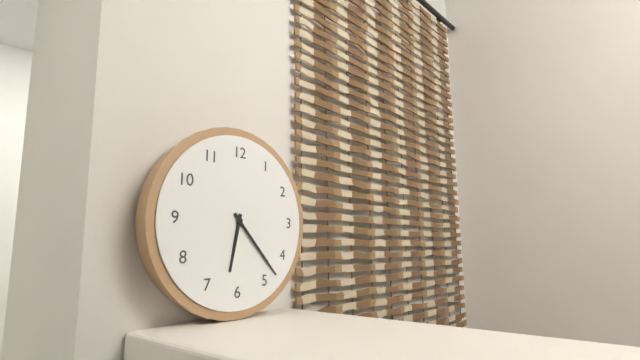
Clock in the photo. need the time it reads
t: 6:23
